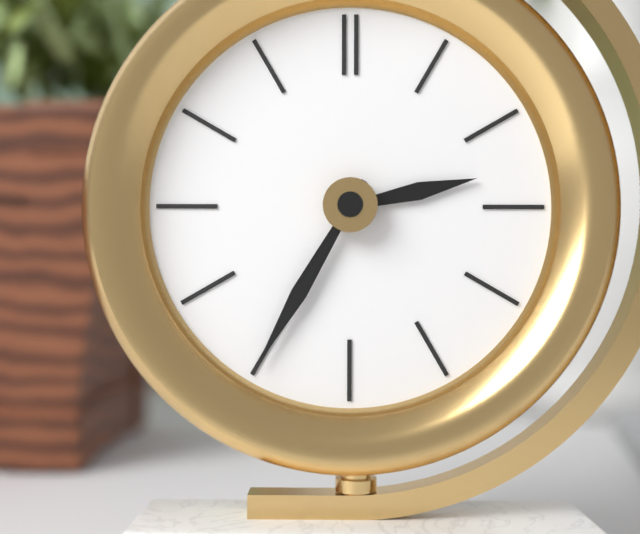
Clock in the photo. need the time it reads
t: 2:35
